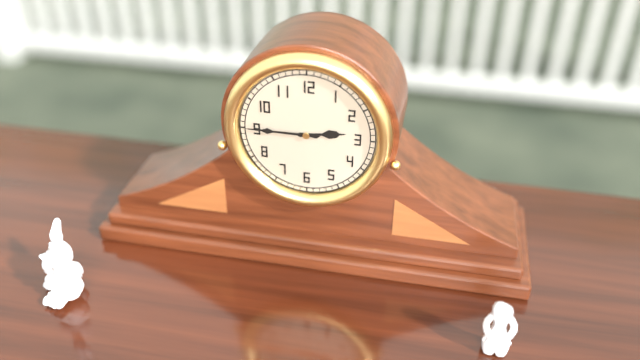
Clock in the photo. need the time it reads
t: 2:45
